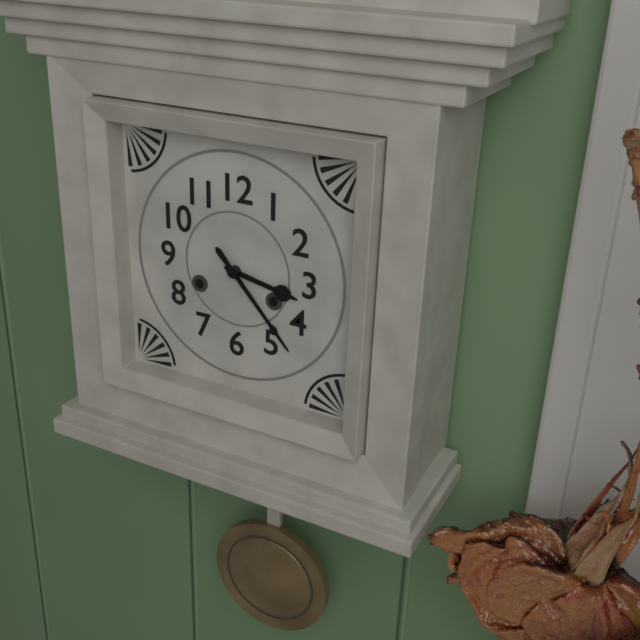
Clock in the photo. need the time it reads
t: 3:23
